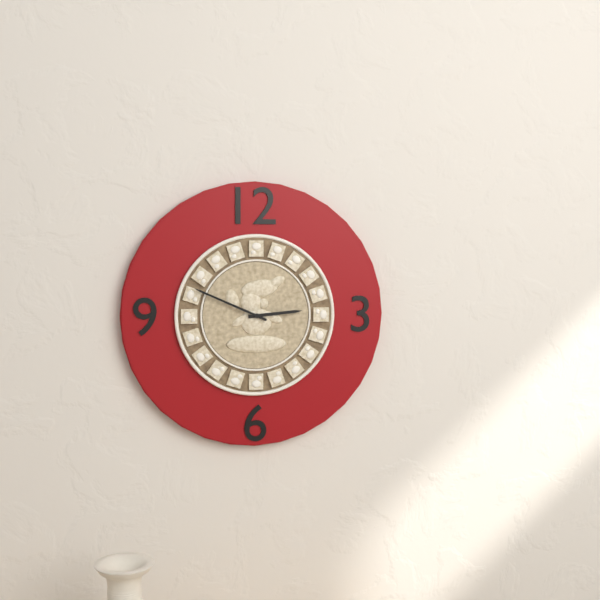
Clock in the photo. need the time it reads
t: 2:49
